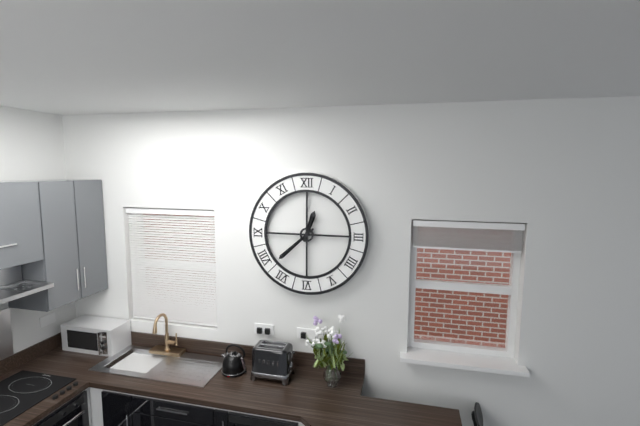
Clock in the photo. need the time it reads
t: 12:38
